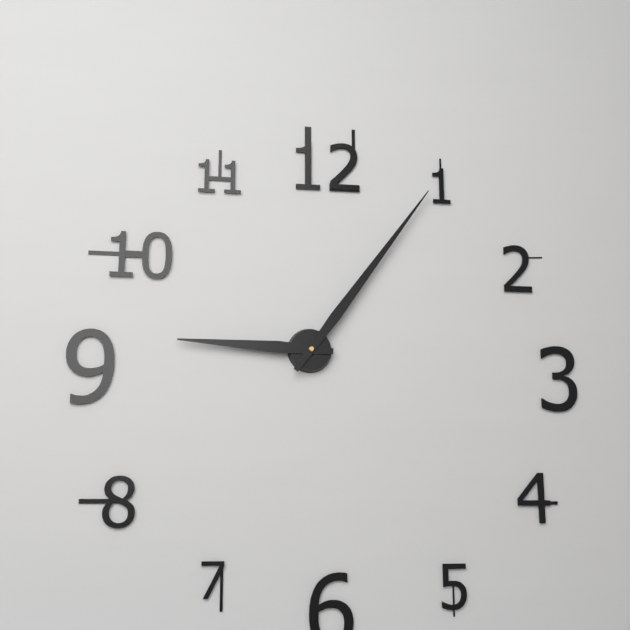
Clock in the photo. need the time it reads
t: 9:06
